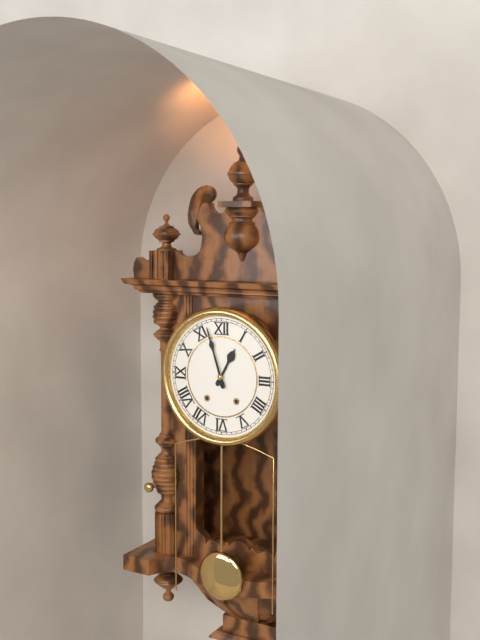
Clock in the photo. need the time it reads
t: 12:57
